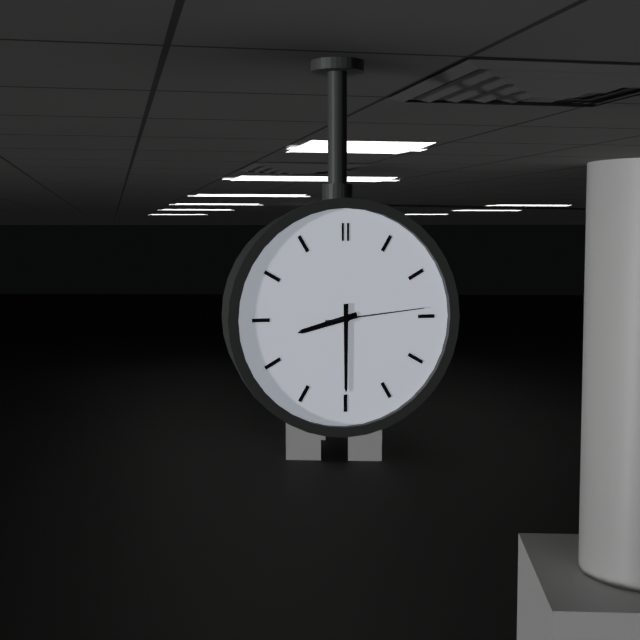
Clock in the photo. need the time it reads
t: 8:30:14
